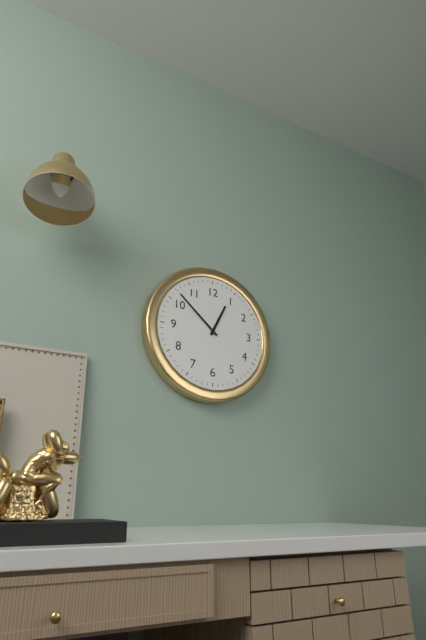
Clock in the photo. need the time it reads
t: 12:52
